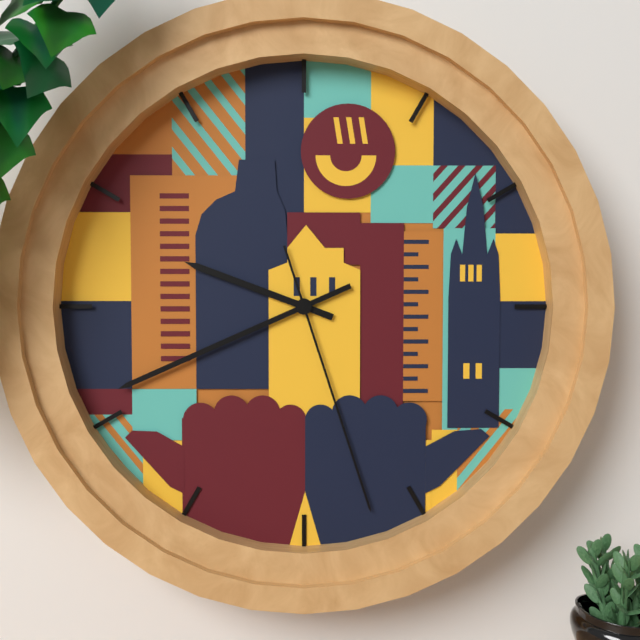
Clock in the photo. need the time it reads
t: 9:41:27
